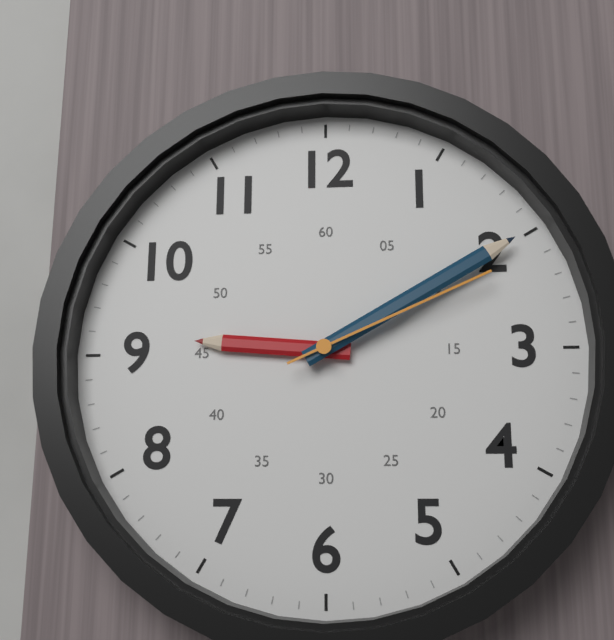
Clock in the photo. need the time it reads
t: 9:10:11
